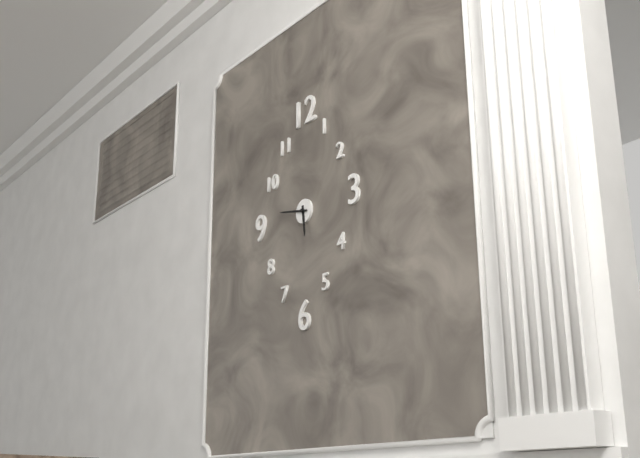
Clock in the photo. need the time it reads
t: 5:47
